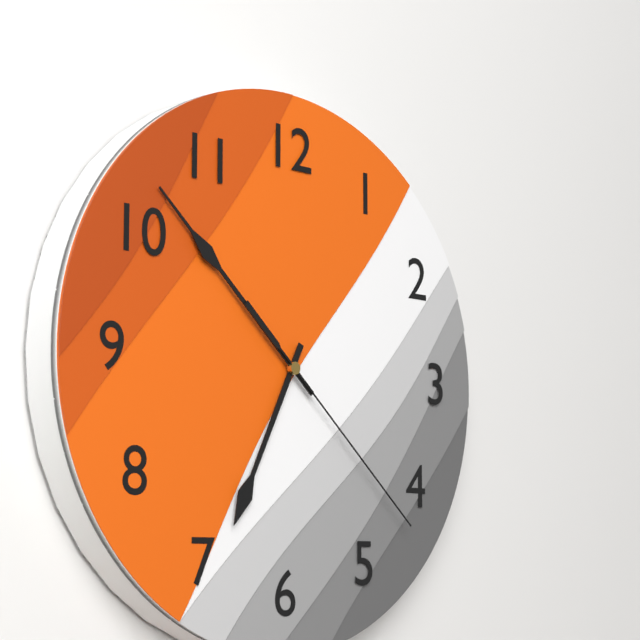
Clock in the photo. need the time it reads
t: 6:52:22
